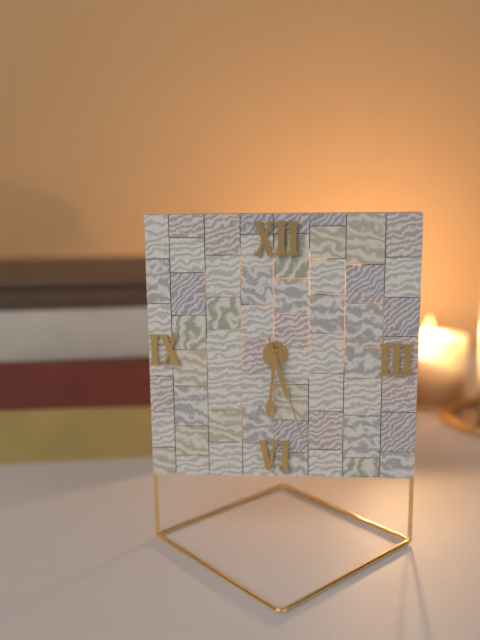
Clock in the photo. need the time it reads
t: 5:31:27
